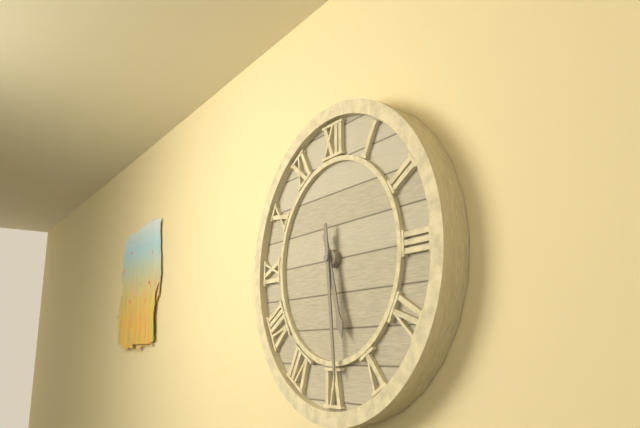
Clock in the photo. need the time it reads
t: 5:29
